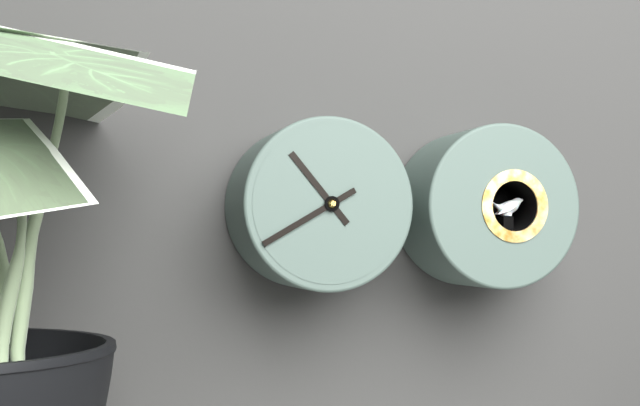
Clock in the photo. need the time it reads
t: 10:40
